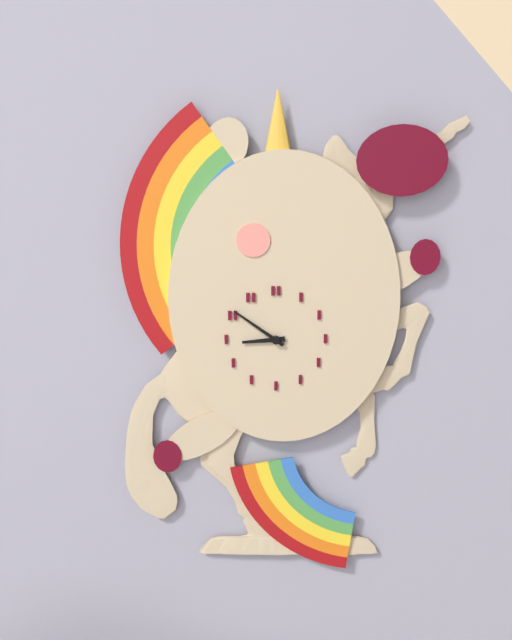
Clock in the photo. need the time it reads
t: 8:51
